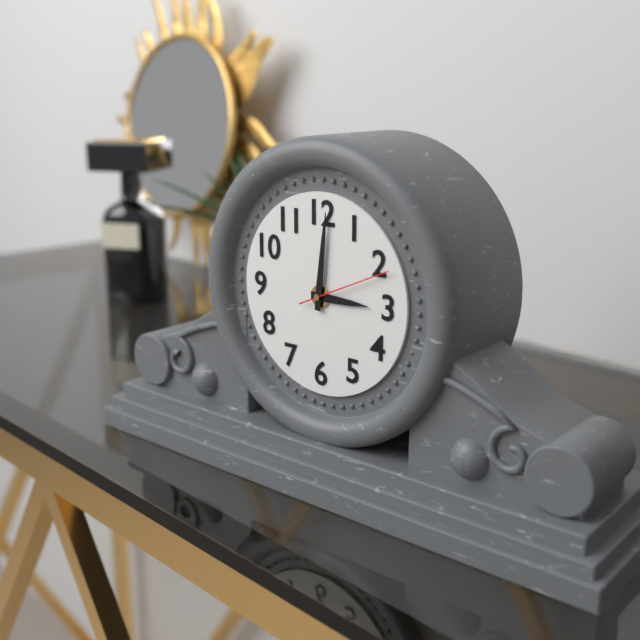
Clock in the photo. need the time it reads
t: 3:01:11
